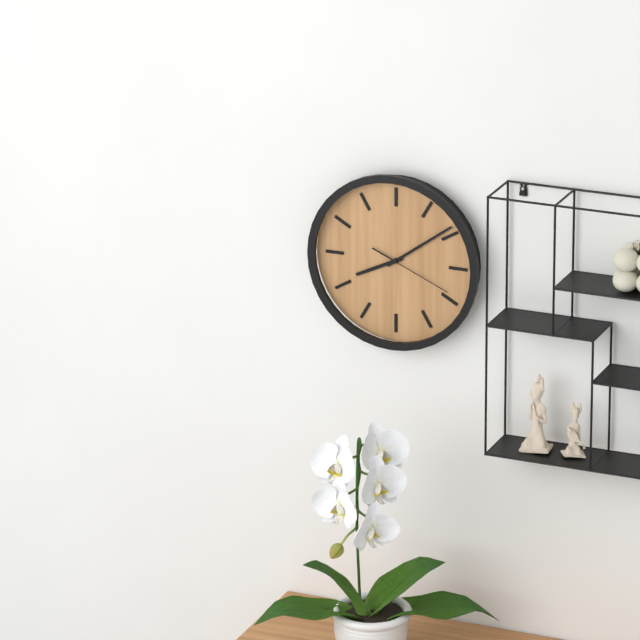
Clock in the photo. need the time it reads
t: 8:09:19
